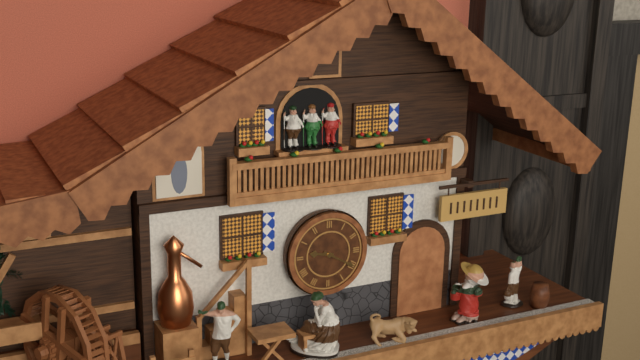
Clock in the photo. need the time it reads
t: 9:20
